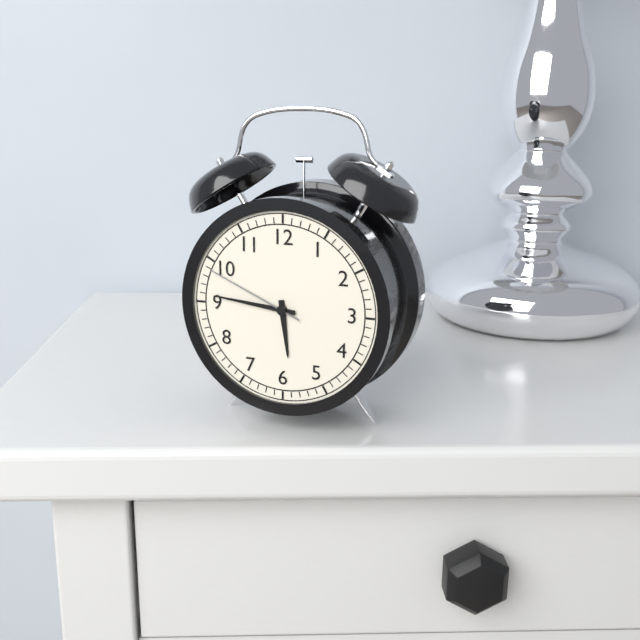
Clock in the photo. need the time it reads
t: 5:46:49
